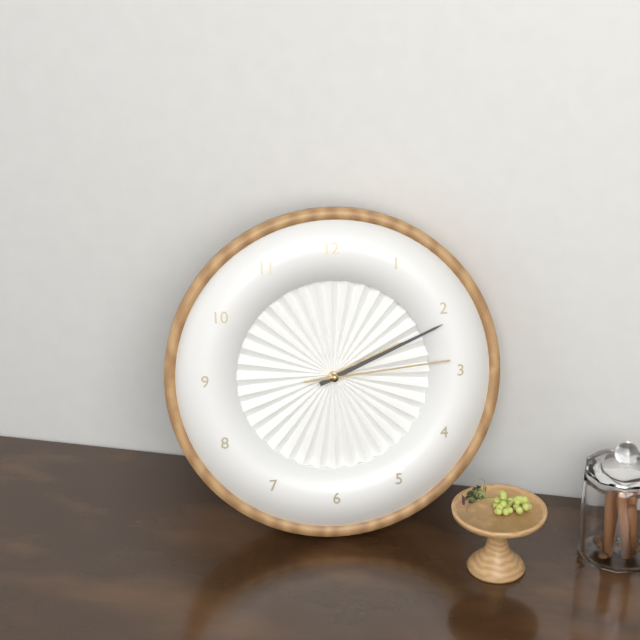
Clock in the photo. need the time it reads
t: 2:11:14
